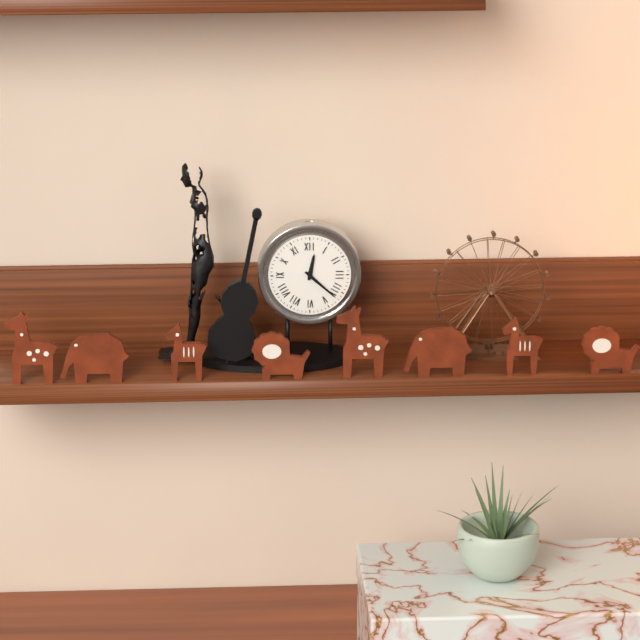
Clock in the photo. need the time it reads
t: 12:22
